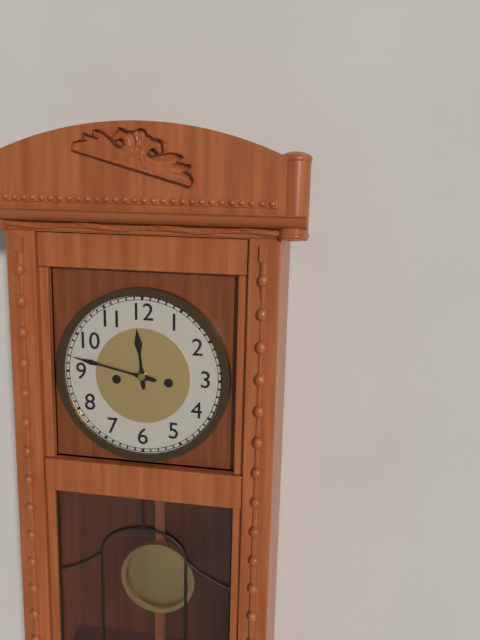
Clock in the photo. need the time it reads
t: 11:47
